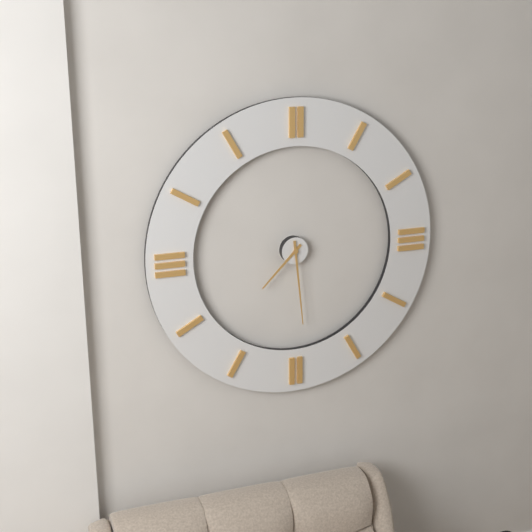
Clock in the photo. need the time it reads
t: 7:29
